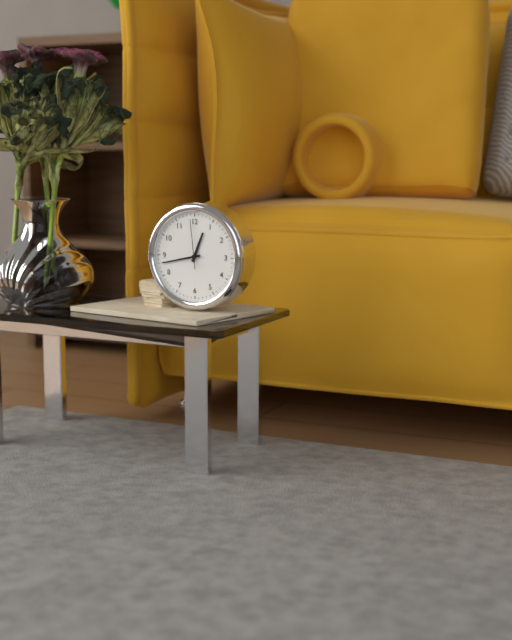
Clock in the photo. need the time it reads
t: 12:43
